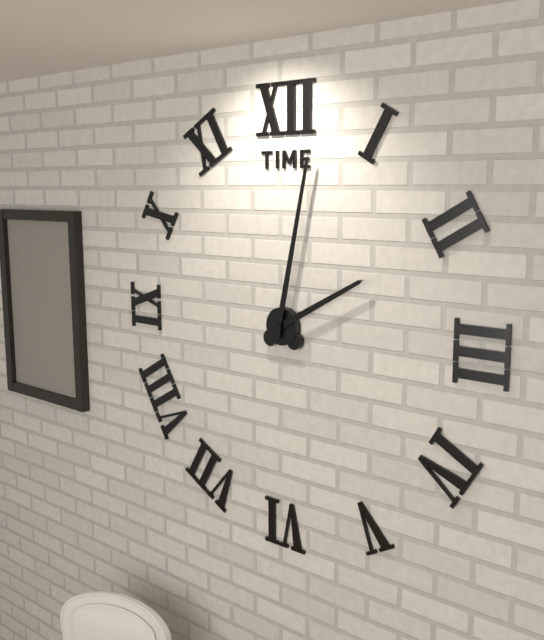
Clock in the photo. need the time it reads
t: 2:02
